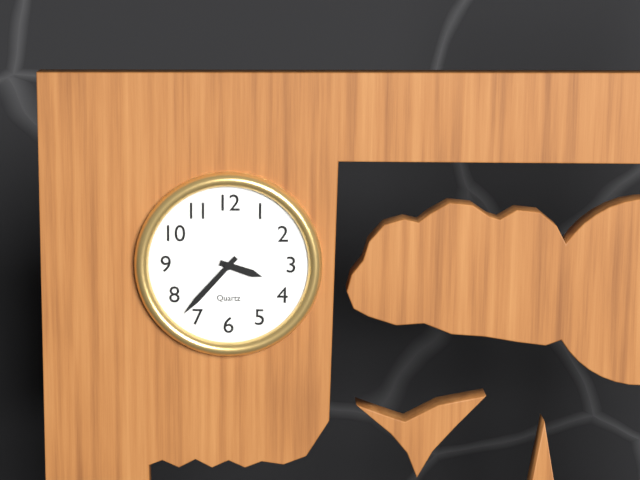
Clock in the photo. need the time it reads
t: 3:37
